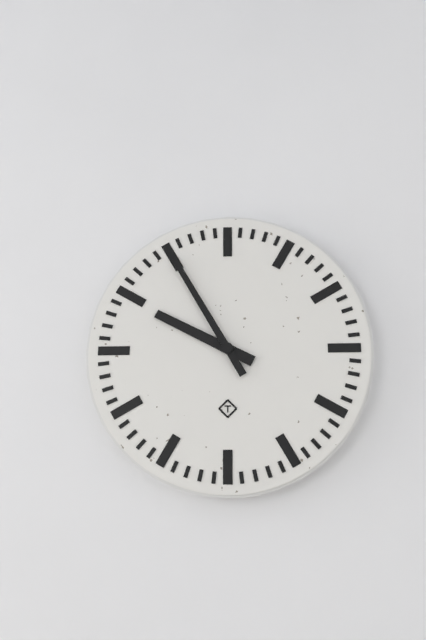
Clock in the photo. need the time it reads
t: 9:55
